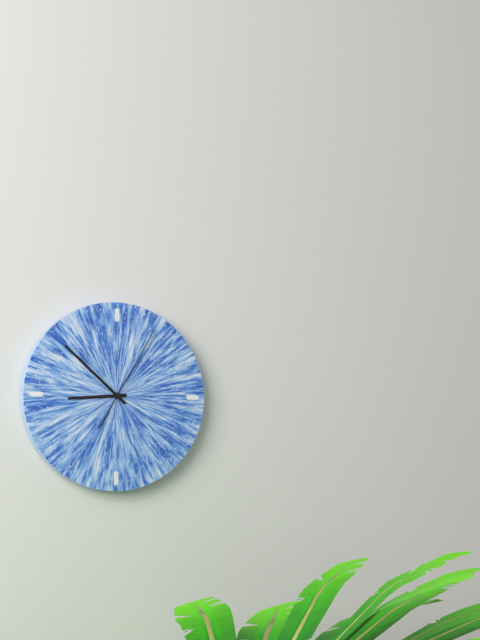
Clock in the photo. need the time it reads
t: 8:52:05
